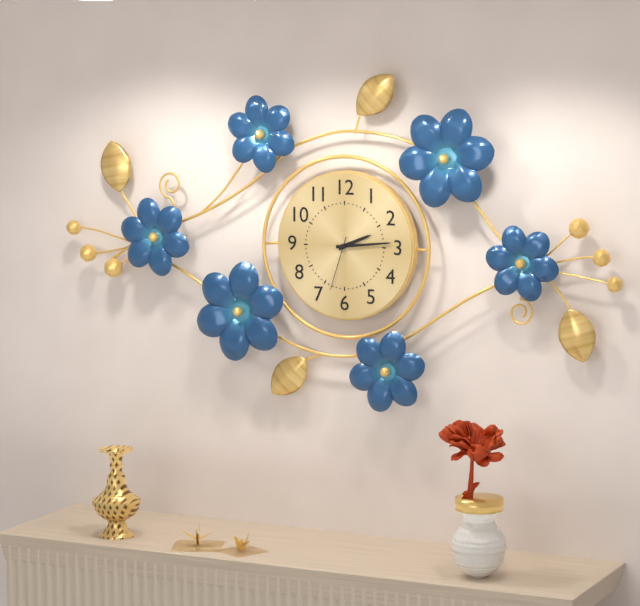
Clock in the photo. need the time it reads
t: 2:14:33
